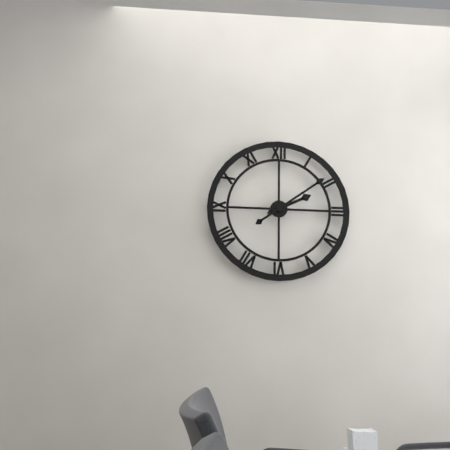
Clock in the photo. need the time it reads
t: 2:09
